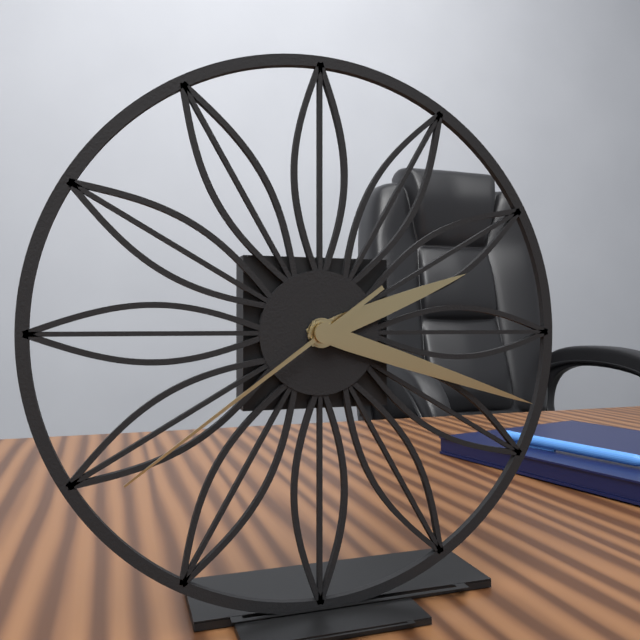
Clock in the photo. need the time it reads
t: 2:18:39
